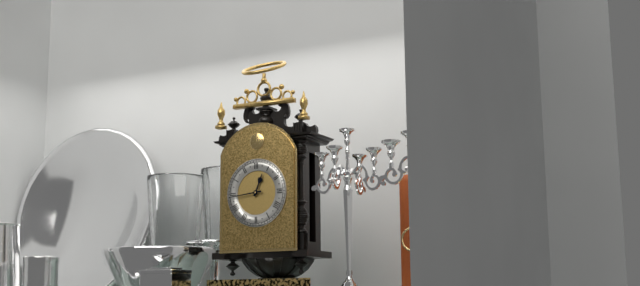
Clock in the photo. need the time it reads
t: 12:44
